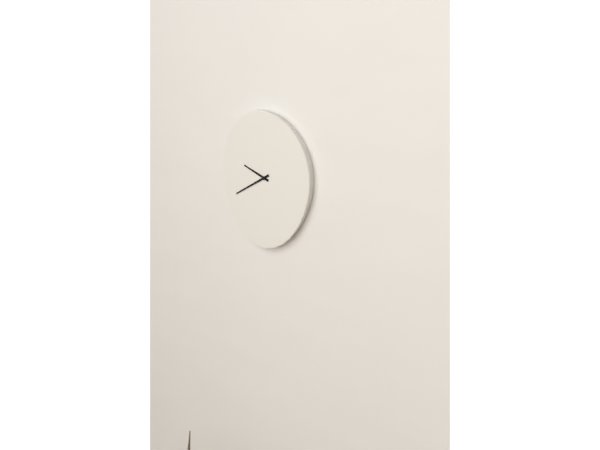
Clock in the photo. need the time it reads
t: 9:40
